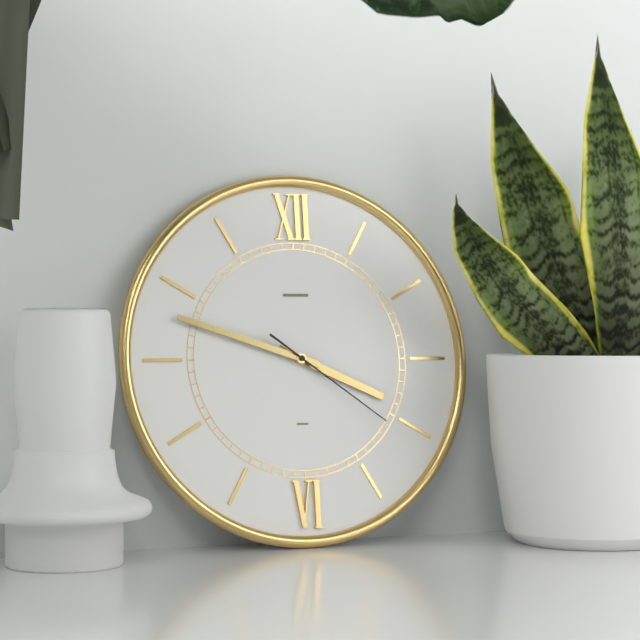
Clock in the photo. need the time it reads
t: 3:48:21
